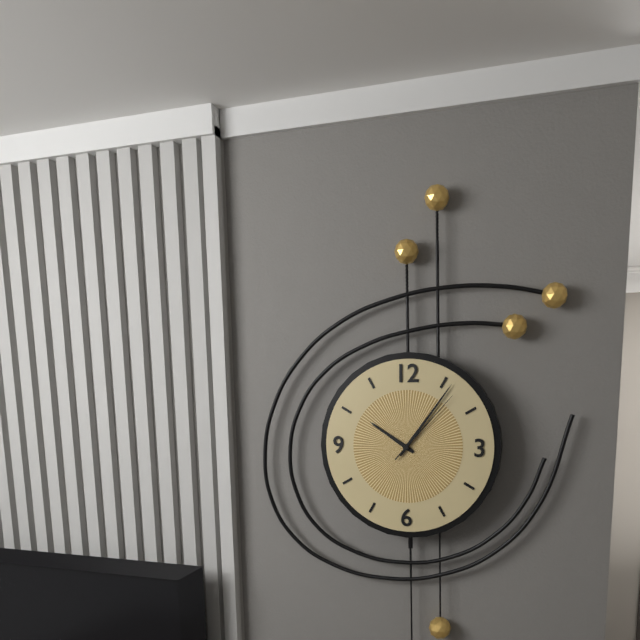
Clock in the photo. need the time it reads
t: 10:06:07
